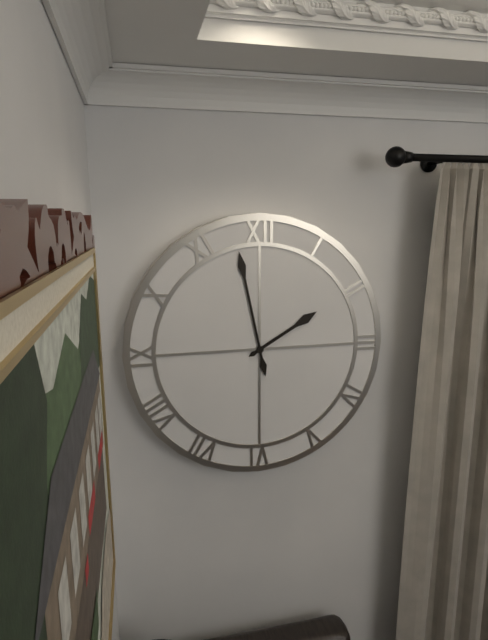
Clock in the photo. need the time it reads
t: 1:58
